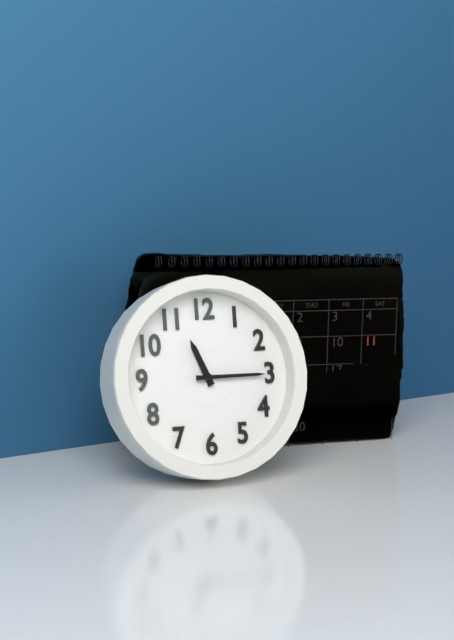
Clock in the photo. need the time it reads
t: 11:15
